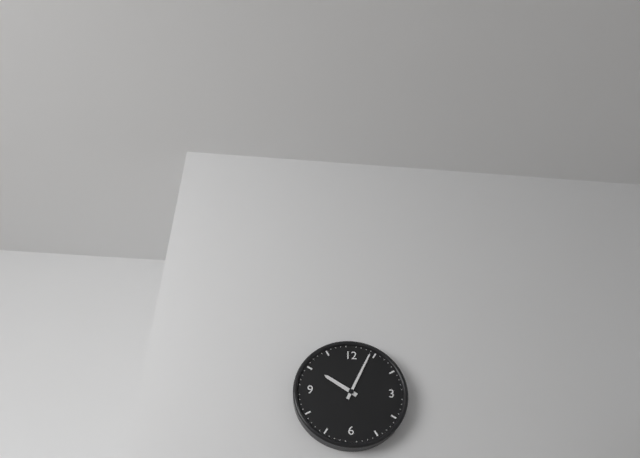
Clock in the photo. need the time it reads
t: 10:04
